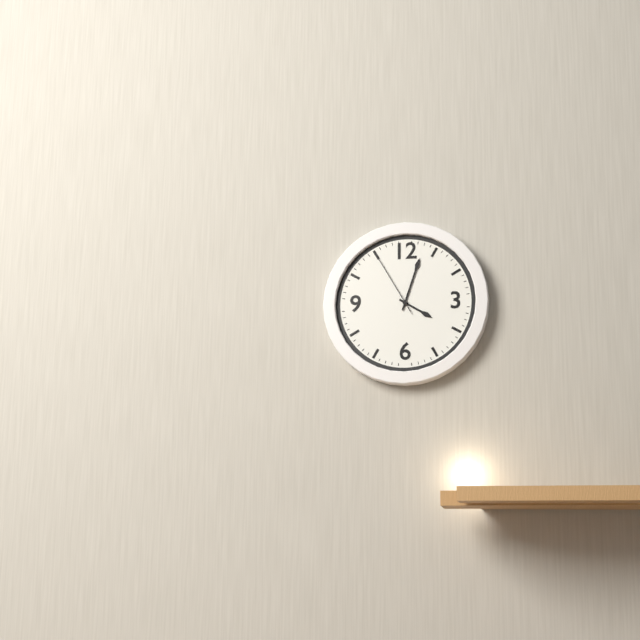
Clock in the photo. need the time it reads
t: 4:03:55
